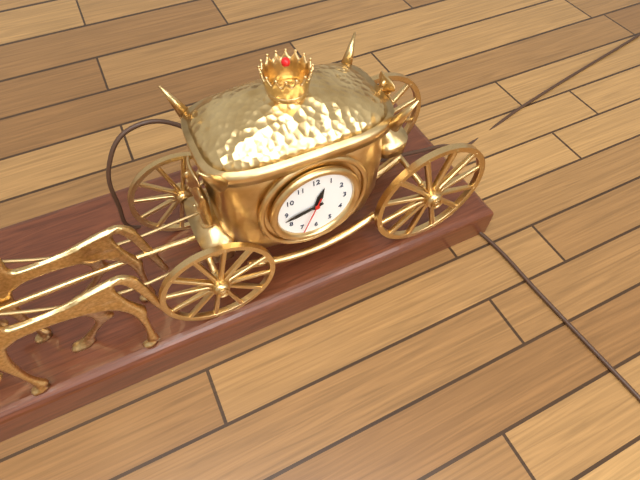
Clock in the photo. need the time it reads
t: 12:43
